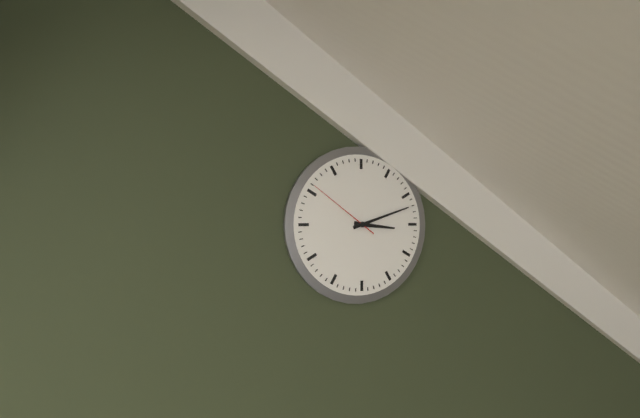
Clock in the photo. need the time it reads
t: 3:12:51
